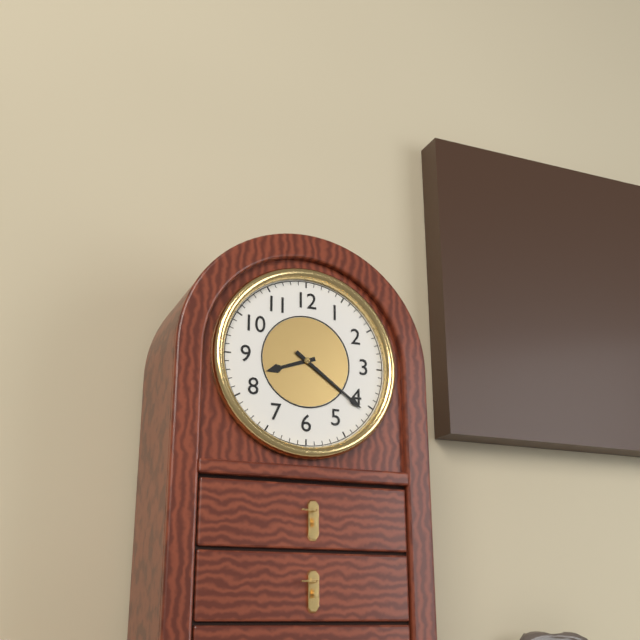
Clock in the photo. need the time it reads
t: 8:21
